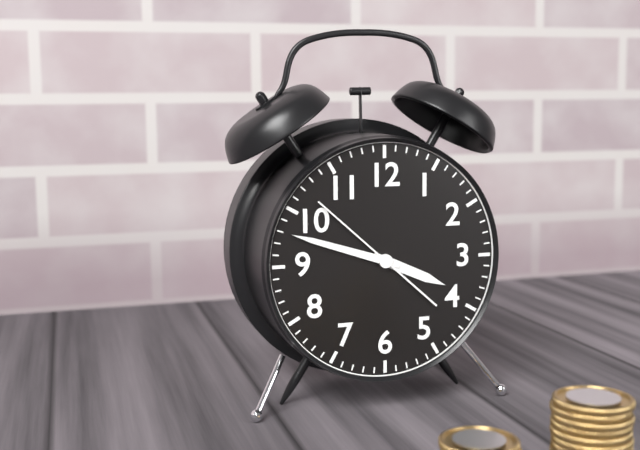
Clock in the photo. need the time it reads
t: 3:48:52
